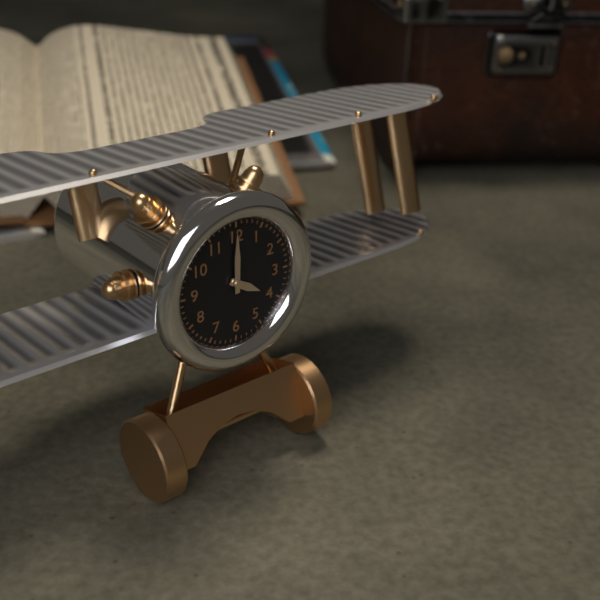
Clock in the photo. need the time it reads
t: 4:00
